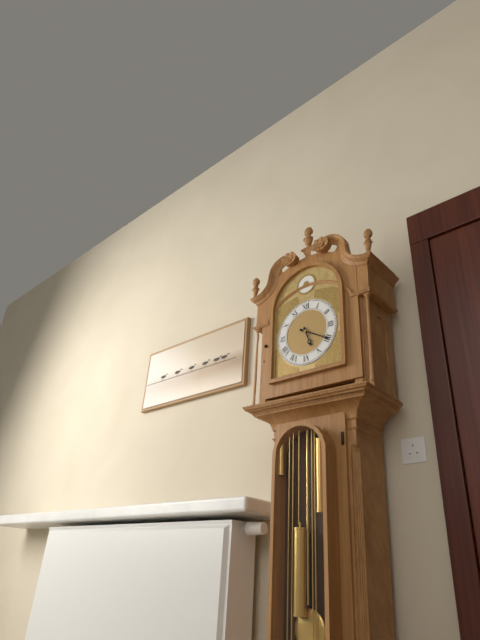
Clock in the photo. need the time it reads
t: 5:20
